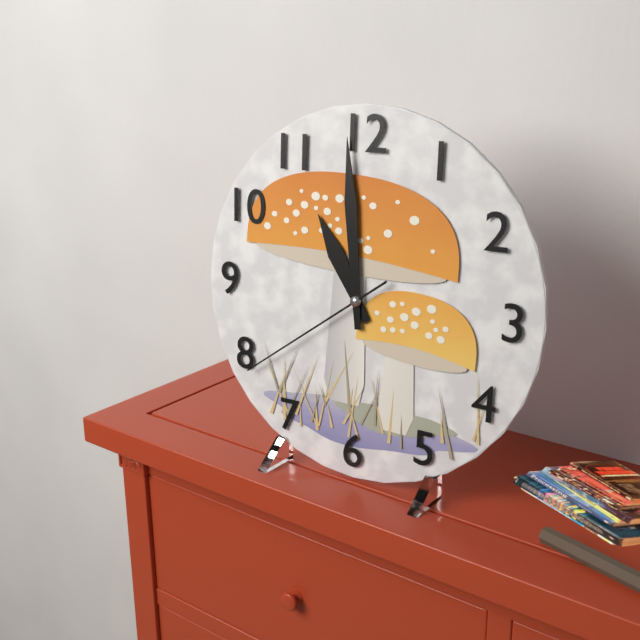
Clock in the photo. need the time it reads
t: 10:59:39
